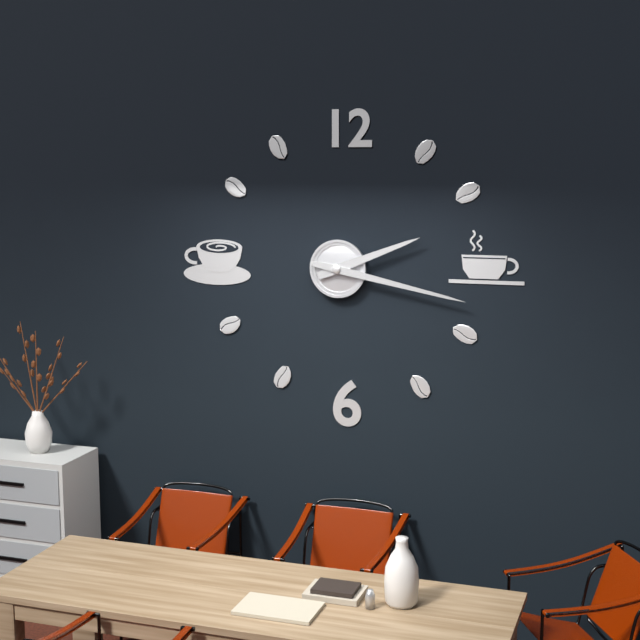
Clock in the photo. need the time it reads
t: 2:17
